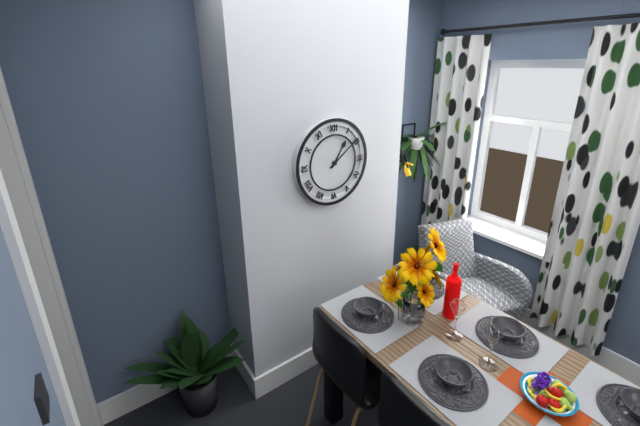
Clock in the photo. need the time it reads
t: 1:09
